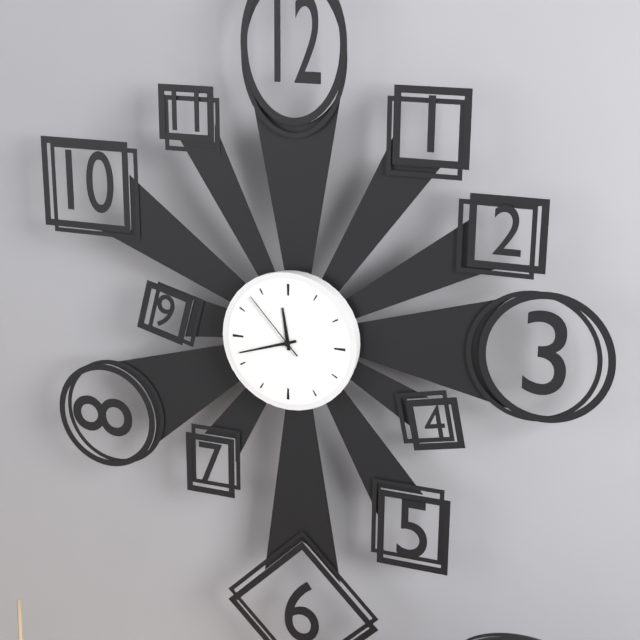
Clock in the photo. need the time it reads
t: 11:42:53
